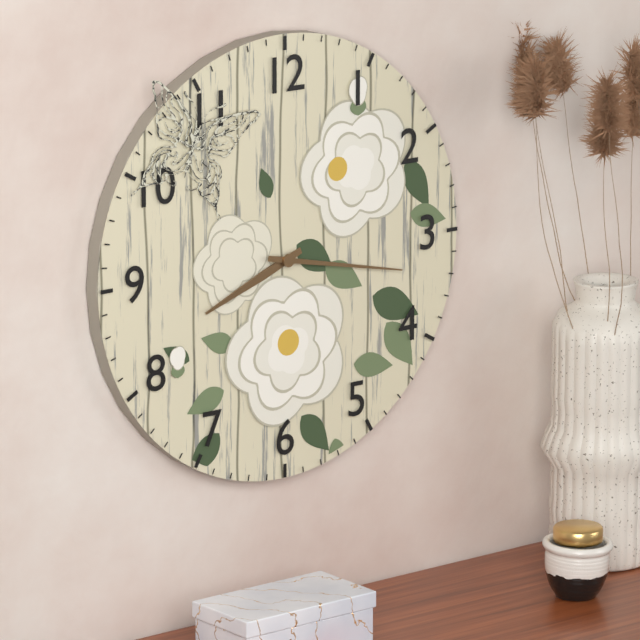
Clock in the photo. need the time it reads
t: 8:17
